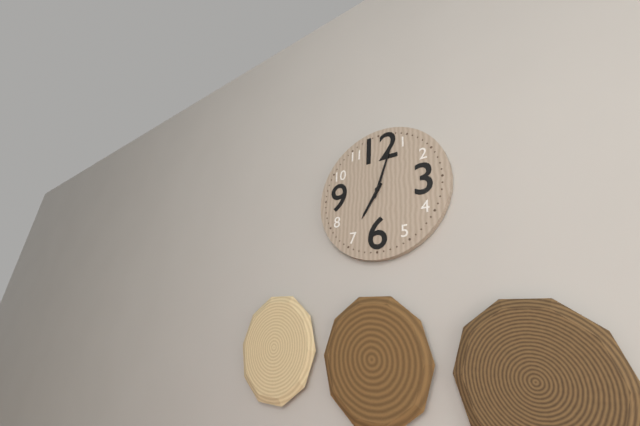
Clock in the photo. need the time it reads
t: 7:03
